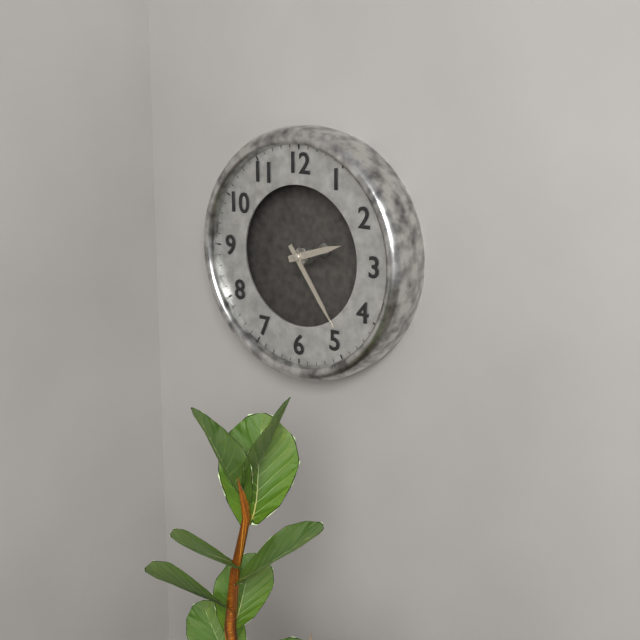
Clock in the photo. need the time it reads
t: 2:24
